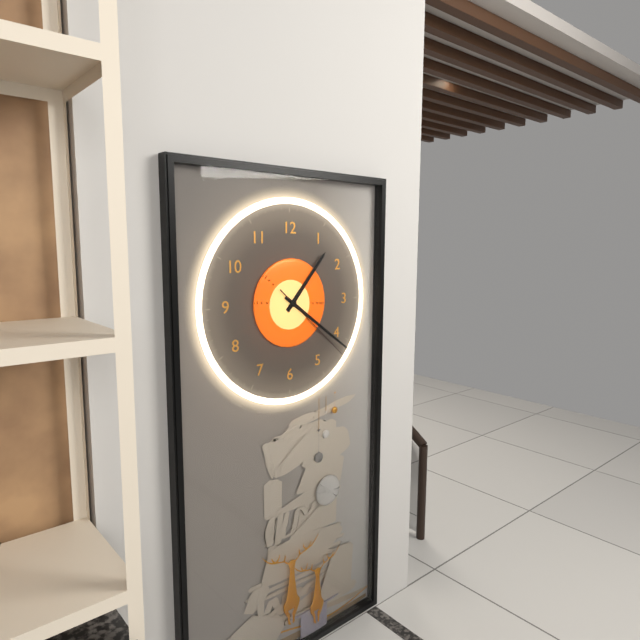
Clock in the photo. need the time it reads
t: 1:21:22
